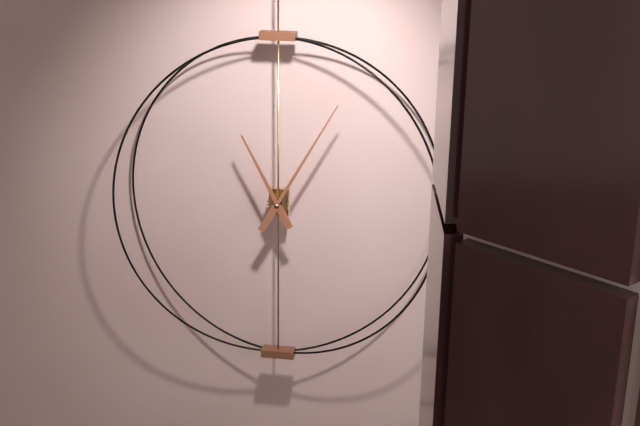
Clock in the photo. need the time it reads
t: 11:05
